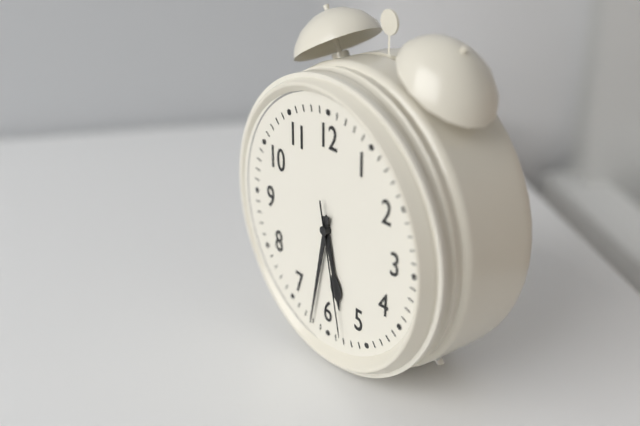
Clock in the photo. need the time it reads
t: 5:32:28
